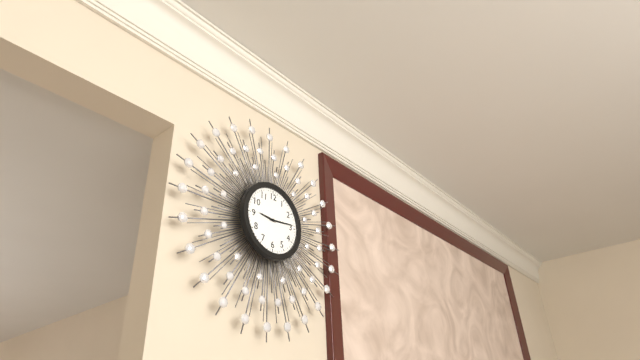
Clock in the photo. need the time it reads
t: 9:14
